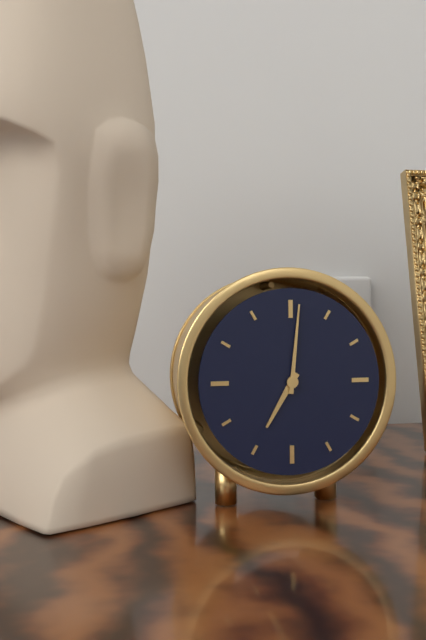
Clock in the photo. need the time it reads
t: 7:01
